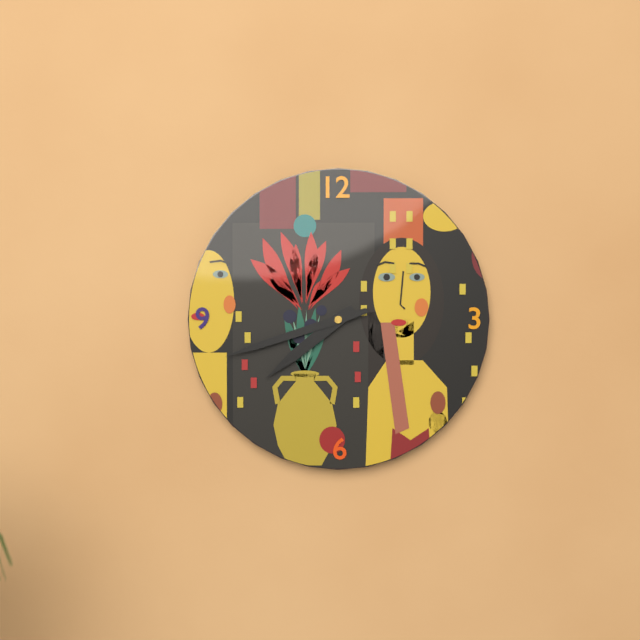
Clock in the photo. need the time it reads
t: 7:42
